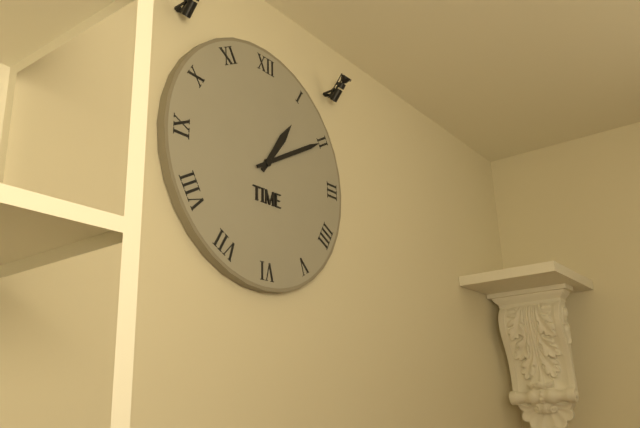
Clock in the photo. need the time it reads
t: 1:10
